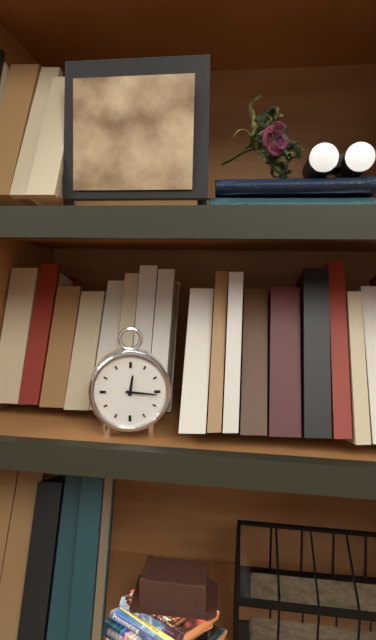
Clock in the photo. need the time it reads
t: 12:16
